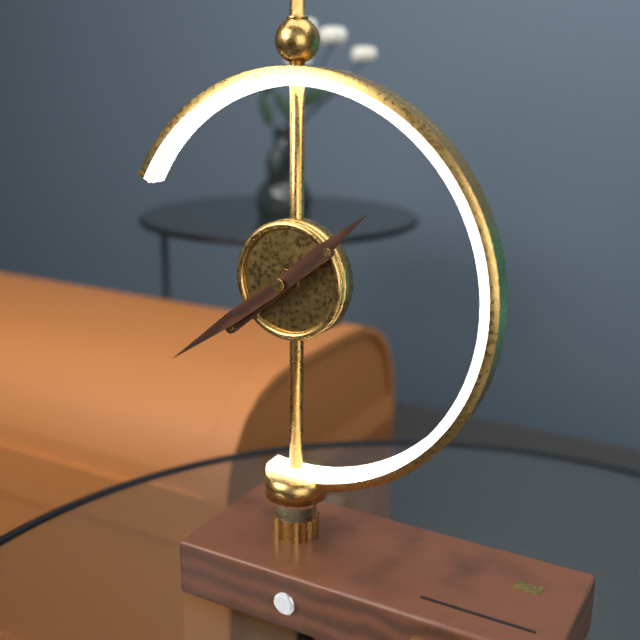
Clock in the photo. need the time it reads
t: 1:39
